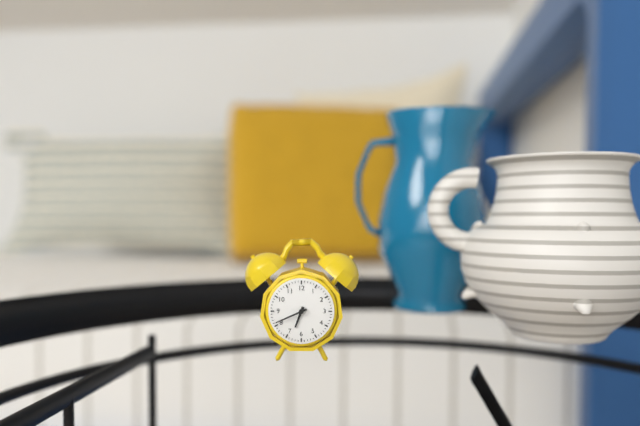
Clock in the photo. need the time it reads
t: 6:41
